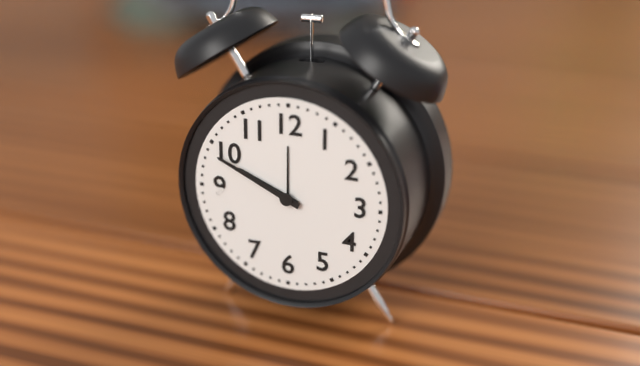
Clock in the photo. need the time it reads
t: 9:49
